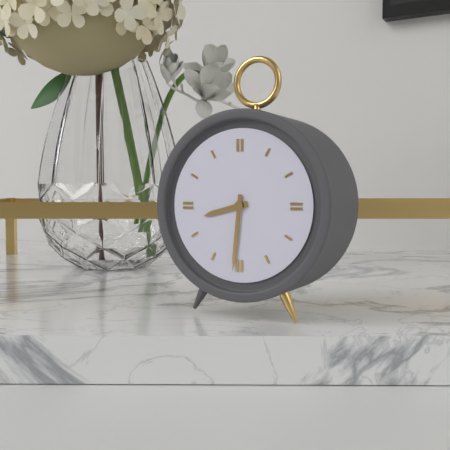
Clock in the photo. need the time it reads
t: 8:31
